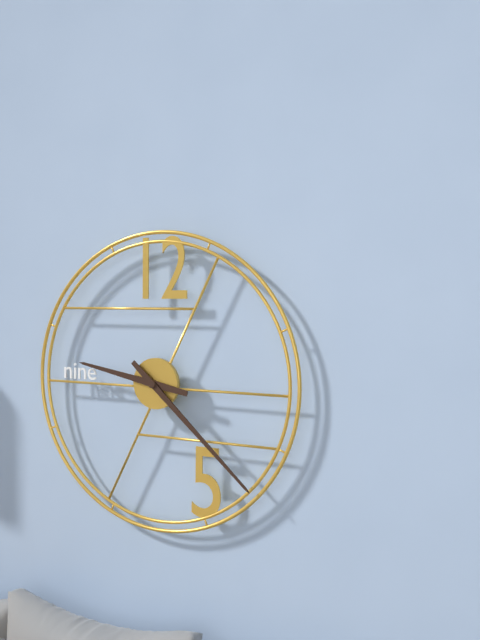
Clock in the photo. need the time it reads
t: 9:22
